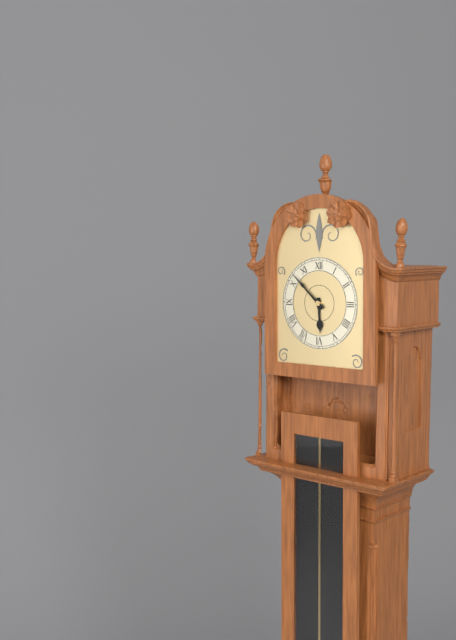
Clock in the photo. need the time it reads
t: 5:52
